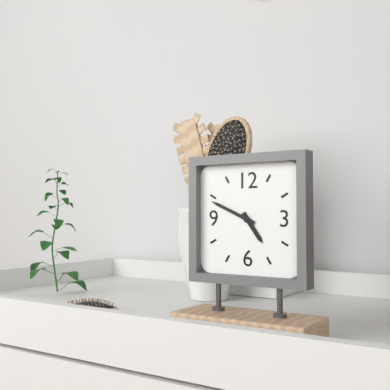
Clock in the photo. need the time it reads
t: 4:49
